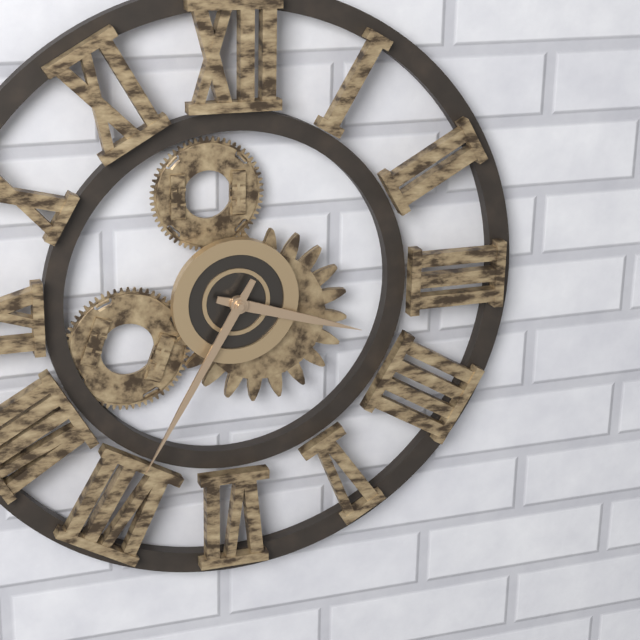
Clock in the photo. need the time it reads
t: 3:35
